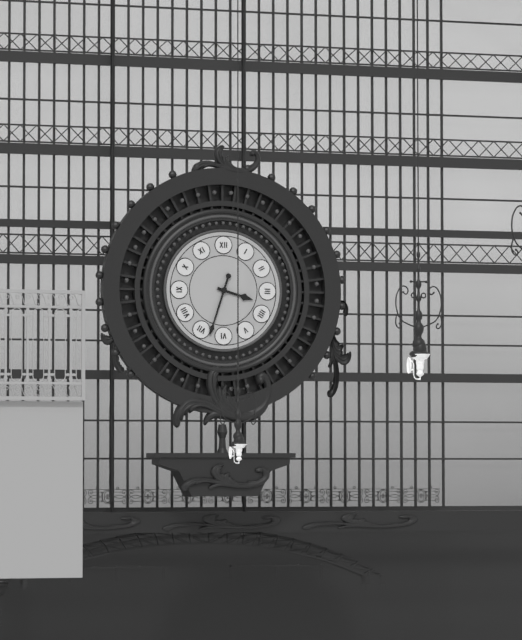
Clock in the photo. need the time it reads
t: 3:33
